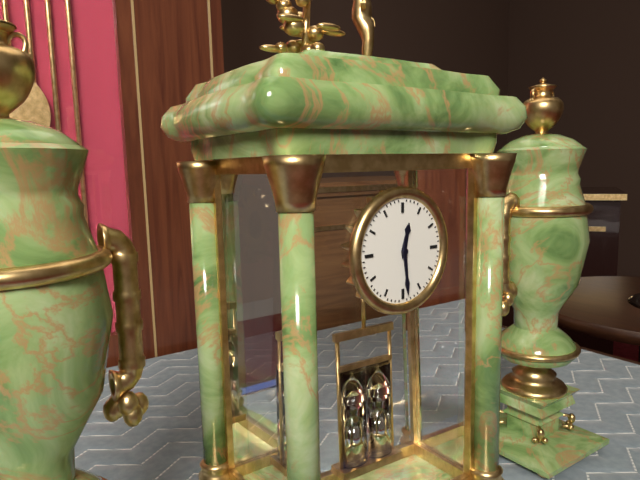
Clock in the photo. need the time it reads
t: 12:29
